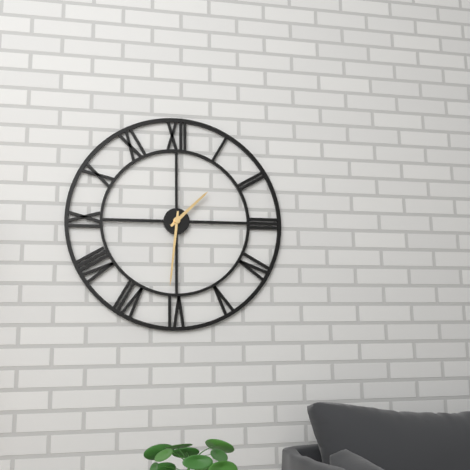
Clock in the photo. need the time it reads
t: 1:31
